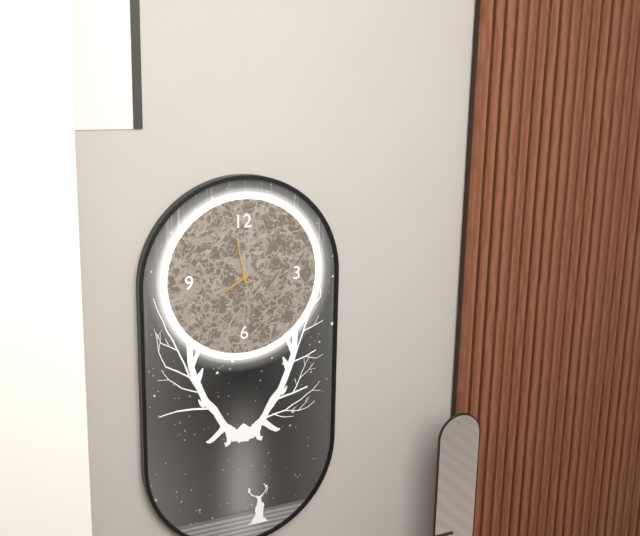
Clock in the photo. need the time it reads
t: 7:58
